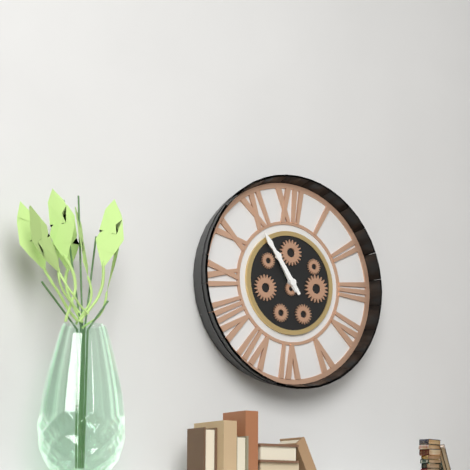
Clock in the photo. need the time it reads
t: 10:54
